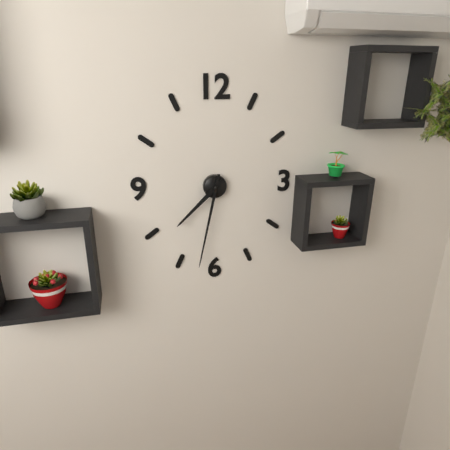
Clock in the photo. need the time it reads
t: 7:32
